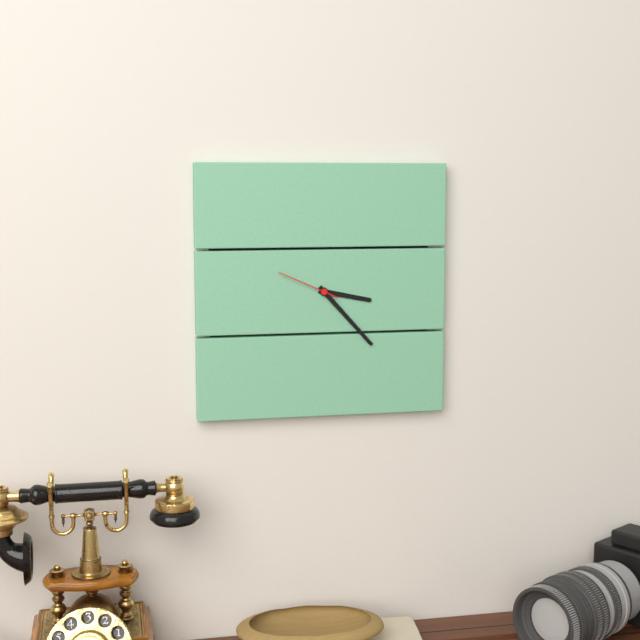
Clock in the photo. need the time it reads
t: 3:23:49
